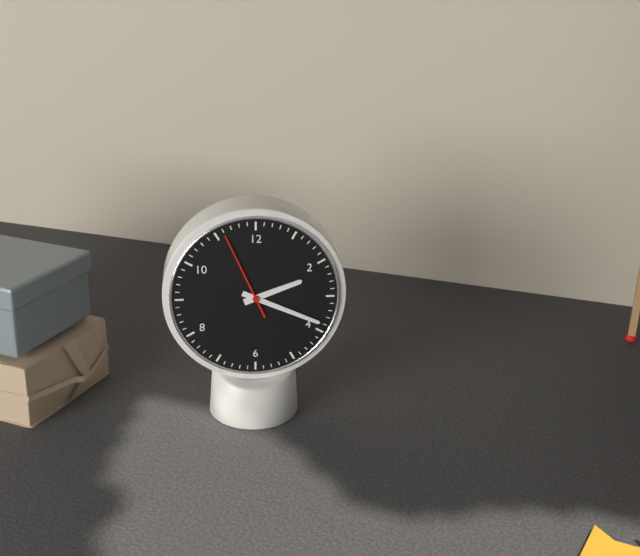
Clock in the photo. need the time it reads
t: 2:19:56
